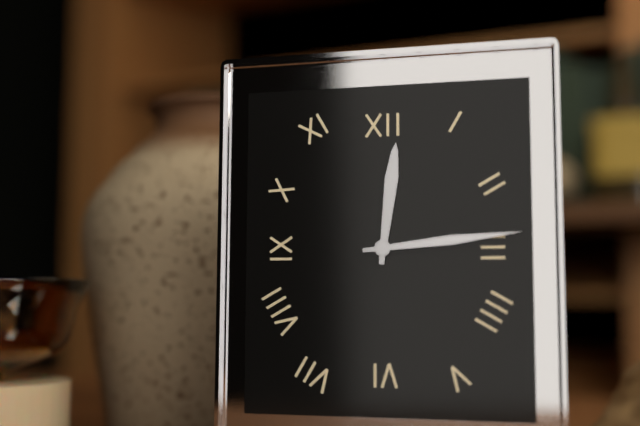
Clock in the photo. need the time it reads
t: 12:14
